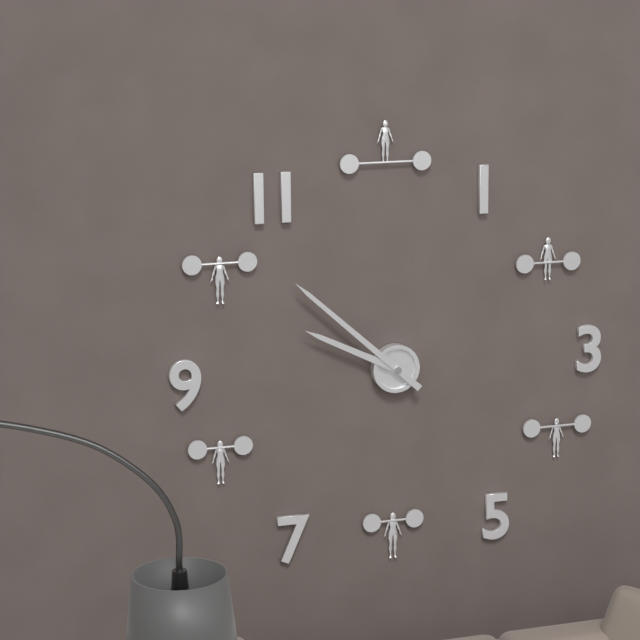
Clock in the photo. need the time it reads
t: 9:52
